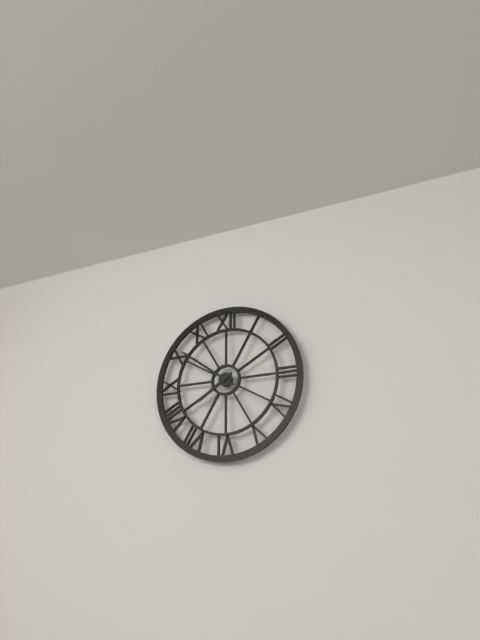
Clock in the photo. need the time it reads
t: 7:51
